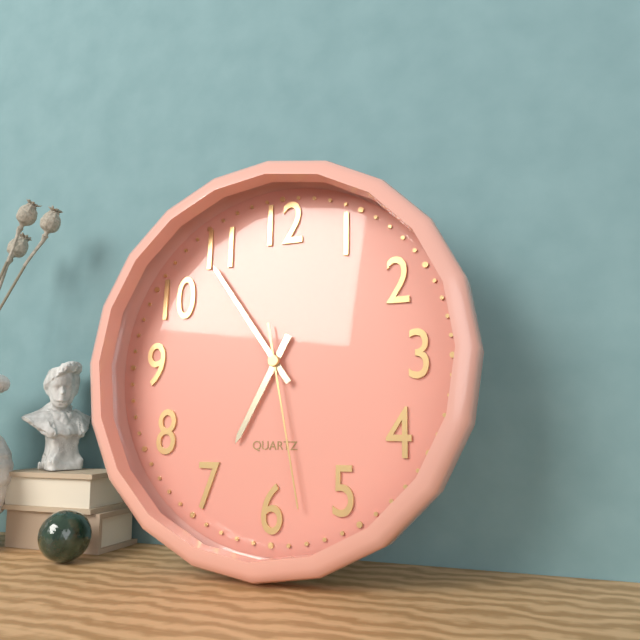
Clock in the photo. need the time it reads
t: 6:54:28
